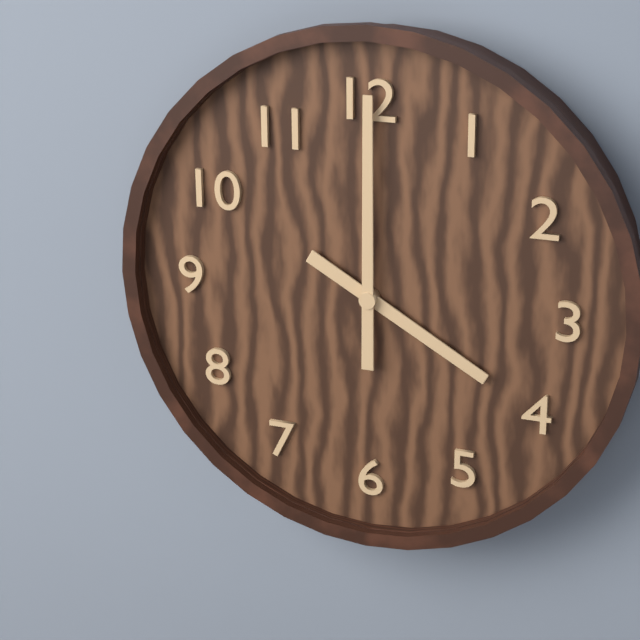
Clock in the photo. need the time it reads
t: 4:00
